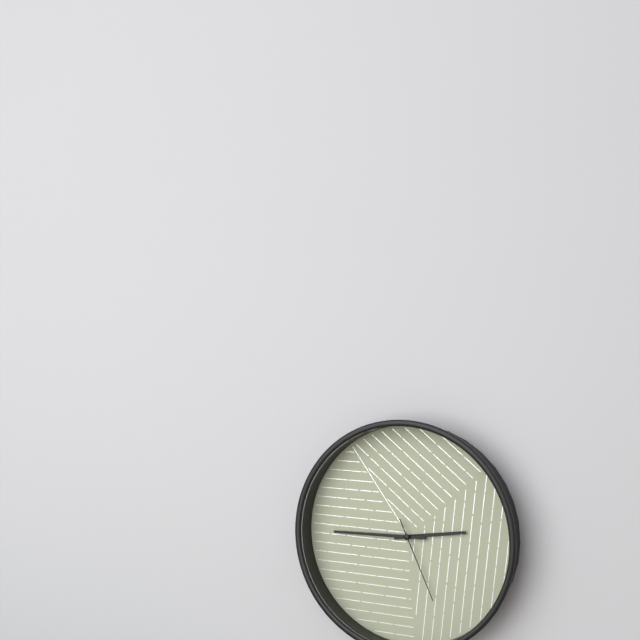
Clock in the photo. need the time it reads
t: 2:45:26
